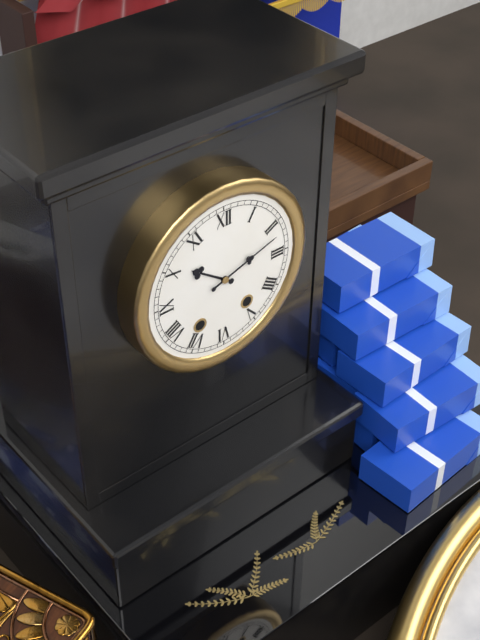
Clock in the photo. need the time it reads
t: 10:12
